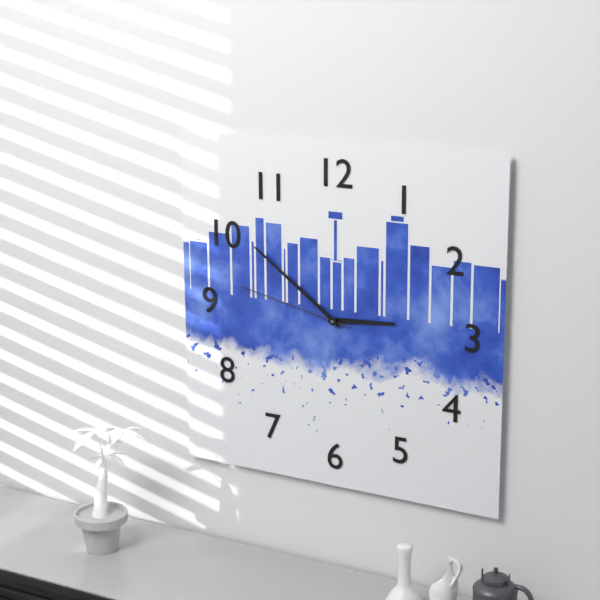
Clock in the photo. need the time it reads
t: 2:51:47
